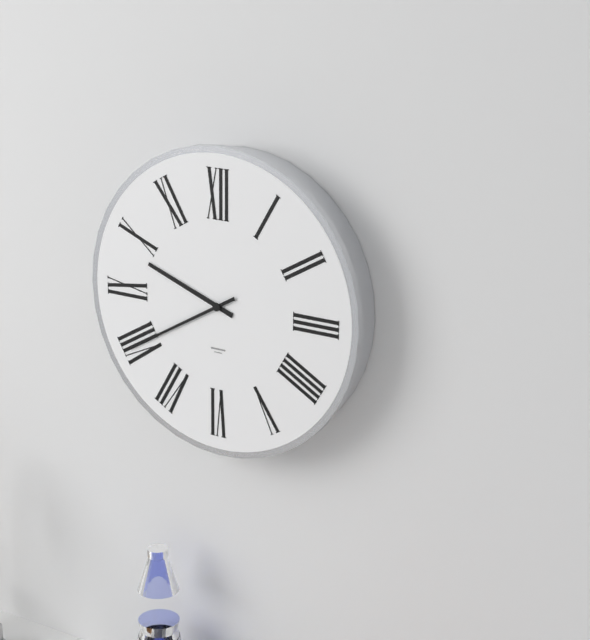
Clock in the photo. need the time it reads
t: 9:40
